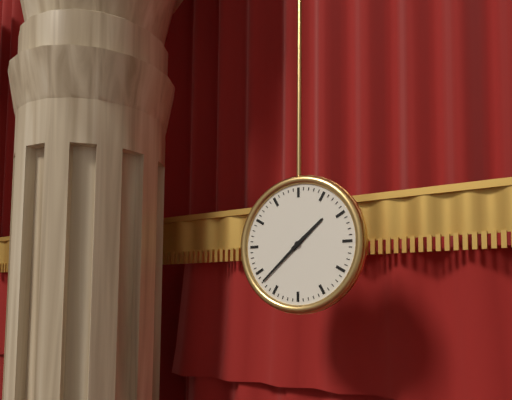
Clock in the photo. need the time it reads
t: 1:38
